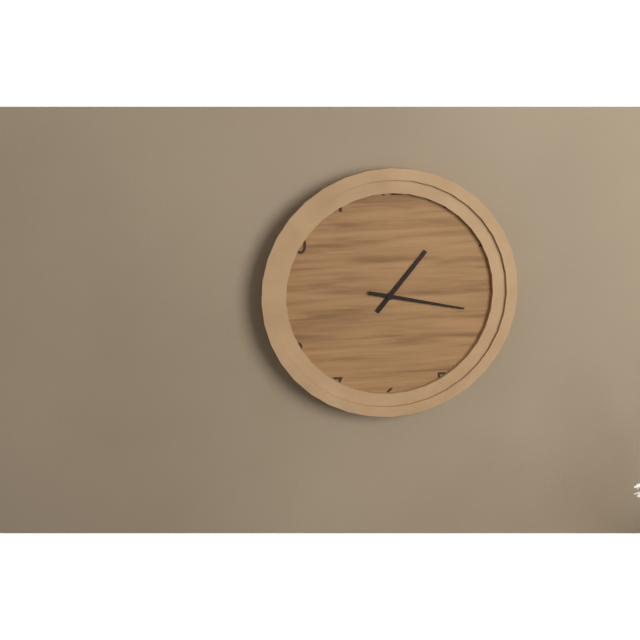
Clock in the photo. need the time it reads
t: 1:17
